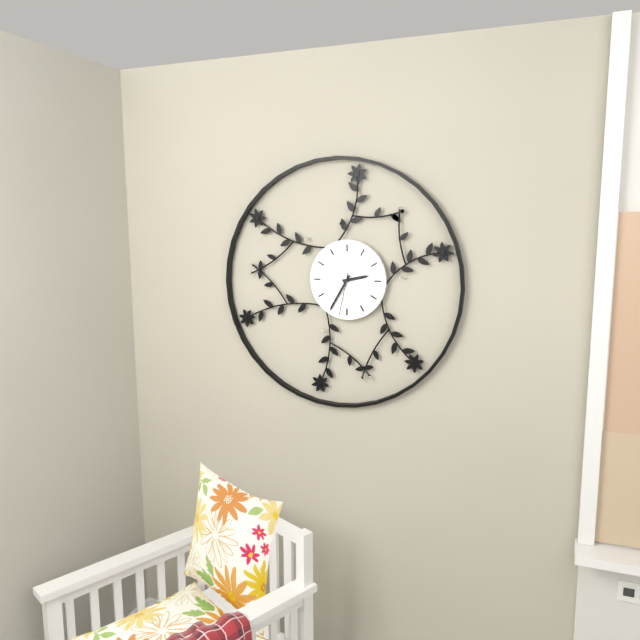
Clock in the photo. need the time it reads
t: 2:35
